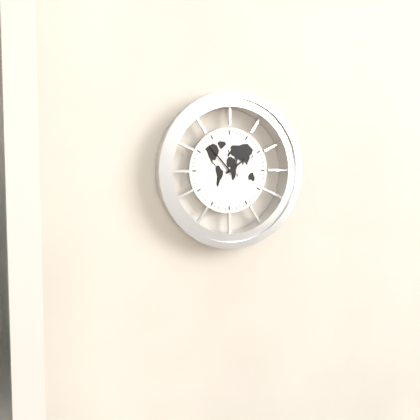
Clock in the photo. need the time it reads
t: 1:53
